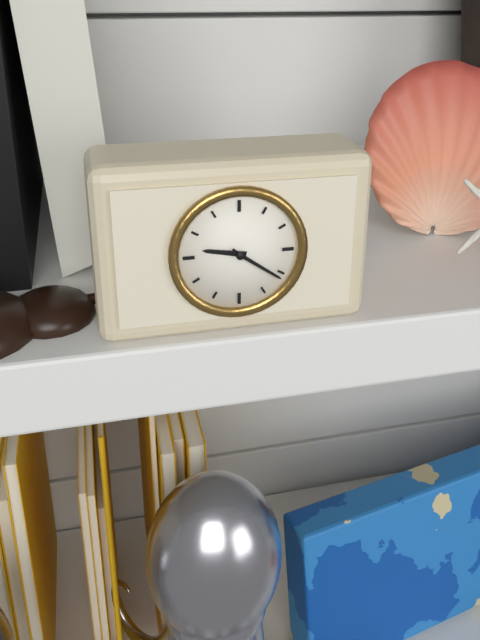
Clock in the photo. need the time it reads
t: 9:21
